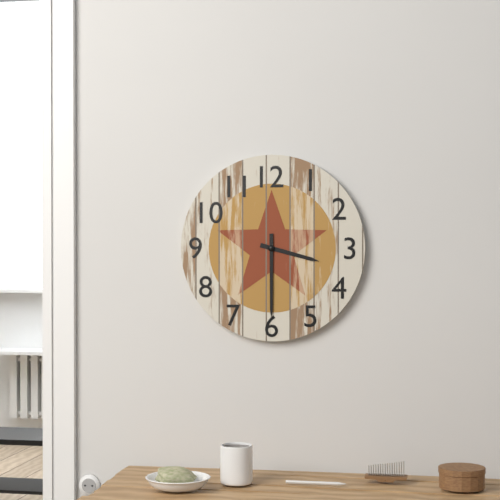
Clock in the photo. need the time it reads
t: 3:30
